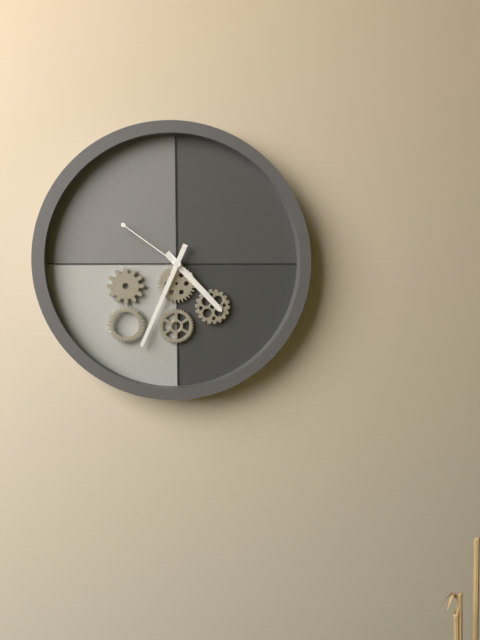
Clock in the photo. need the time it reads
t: 4:34:51
